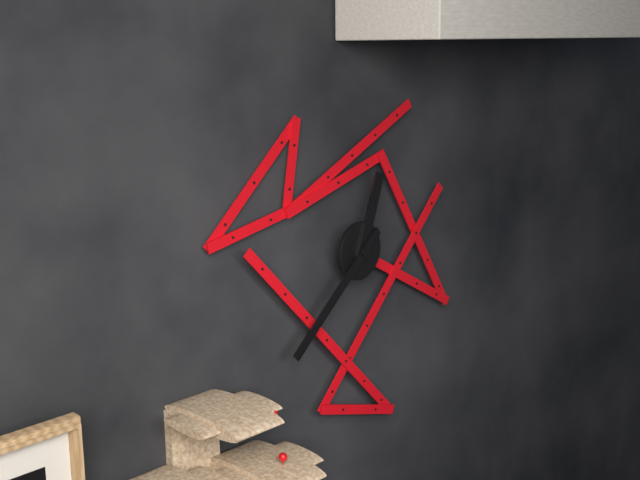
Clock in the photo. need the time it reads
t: 12:38
